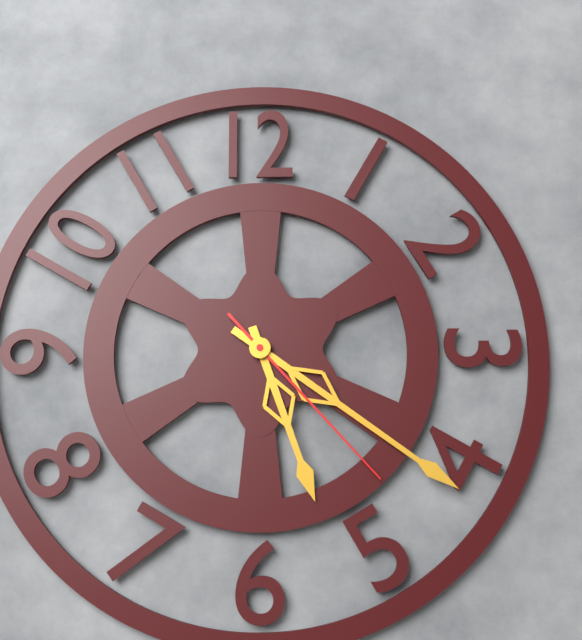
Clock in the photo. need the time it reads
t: 5:21:23
